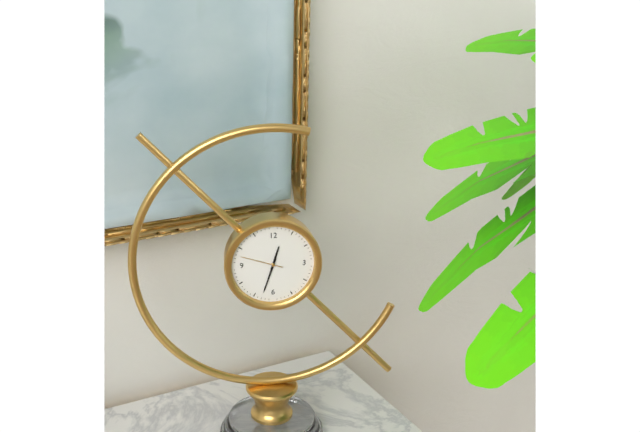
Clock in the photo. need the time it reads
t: 12:33
